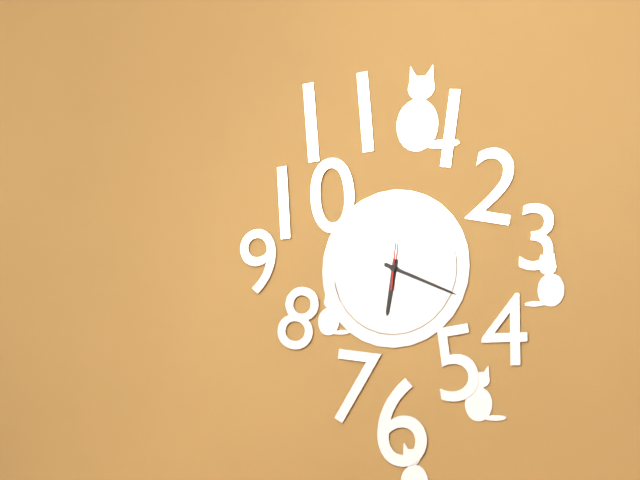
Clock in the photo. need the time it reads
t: 6:19:01
